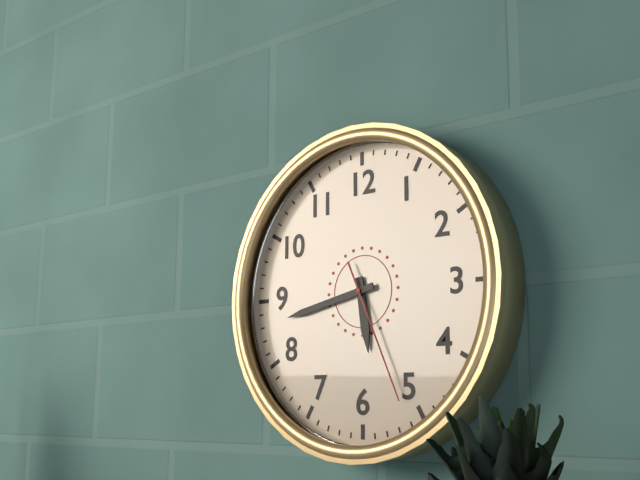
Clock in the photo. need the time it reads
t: 5:43:26
